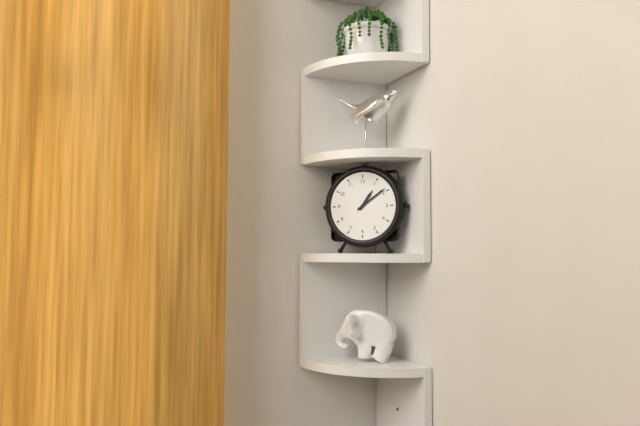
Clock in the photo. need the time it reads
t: 1:09
